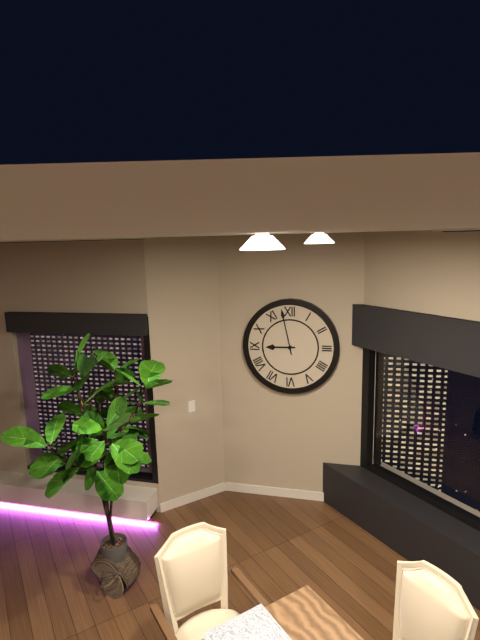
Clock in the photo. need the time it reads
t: 8:58
